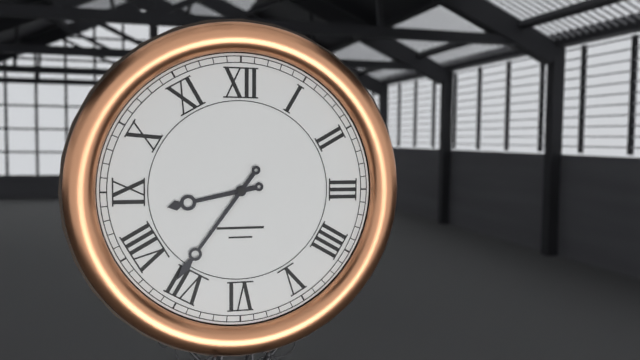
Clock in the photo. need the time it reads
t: 8:36
